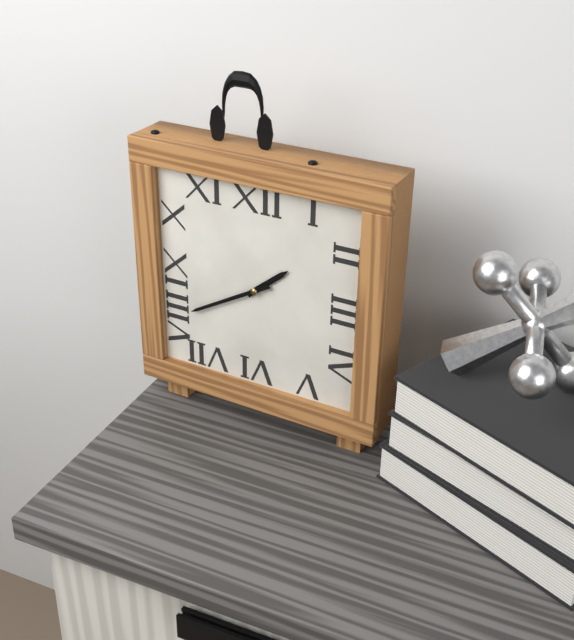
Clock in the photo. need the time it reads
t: 1:40
